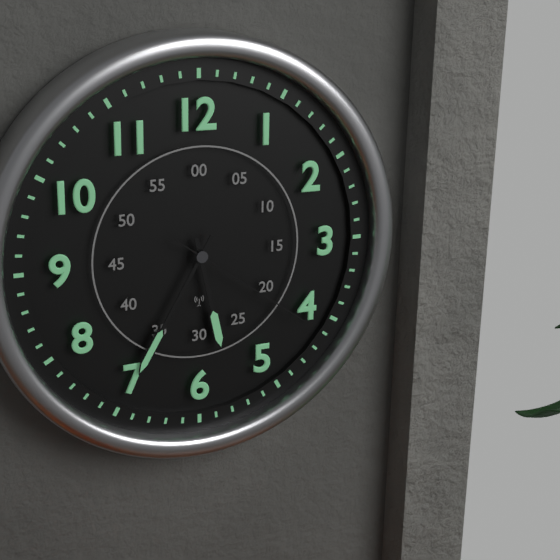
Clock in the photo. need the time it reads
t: 5:35:21
